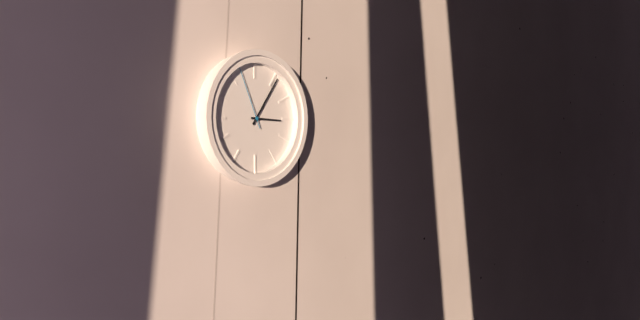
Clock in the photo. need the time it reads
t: 3:06:56
